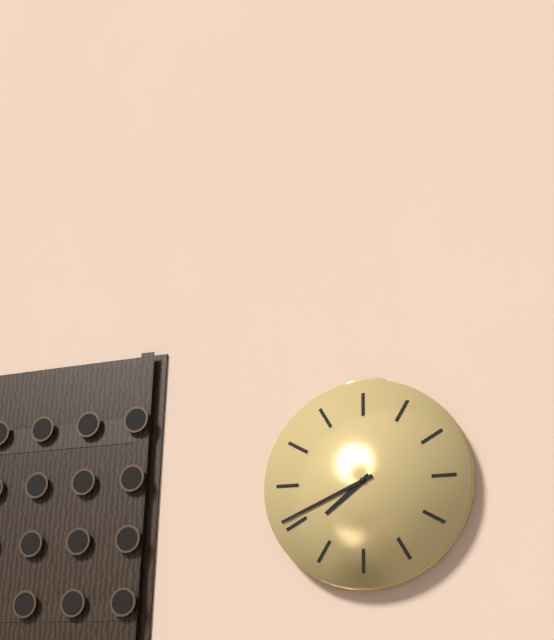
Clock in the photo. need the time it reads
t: 7:41
